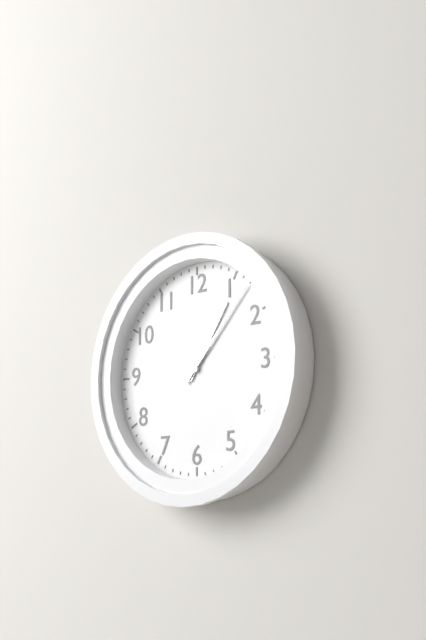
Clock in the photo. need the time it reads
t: 1:07
